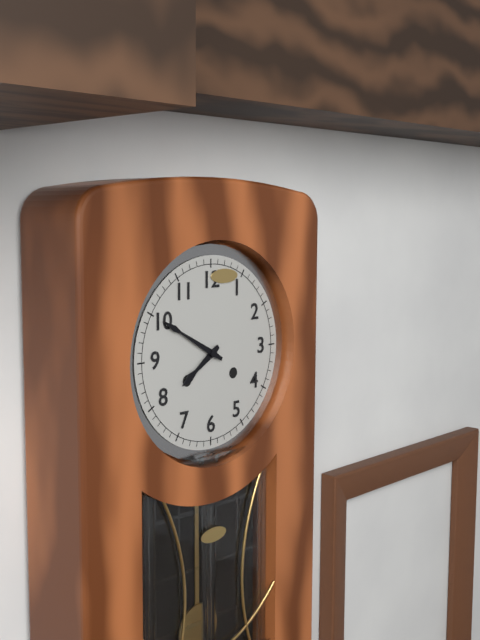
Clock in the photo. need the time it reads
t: 7:50
